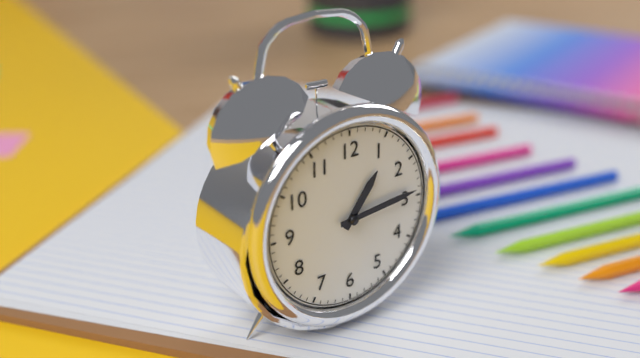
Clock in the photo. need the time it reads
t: 1:14
